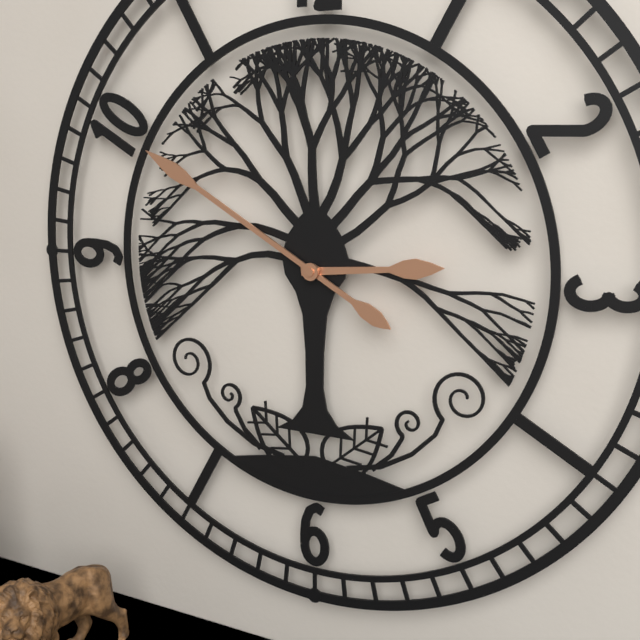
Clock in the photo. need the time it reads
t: 2:50
